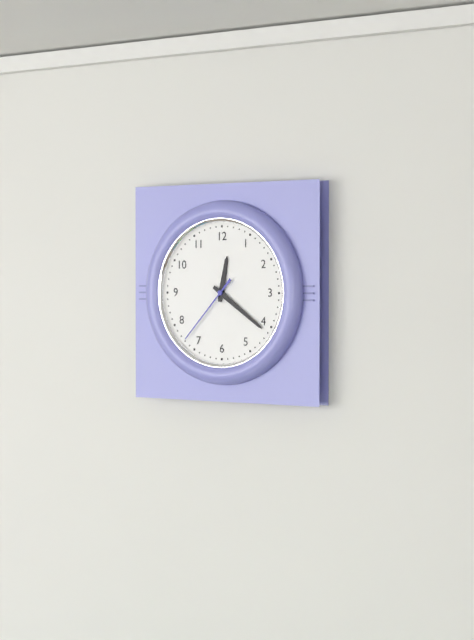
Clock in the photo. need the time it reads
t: 12:21:37
